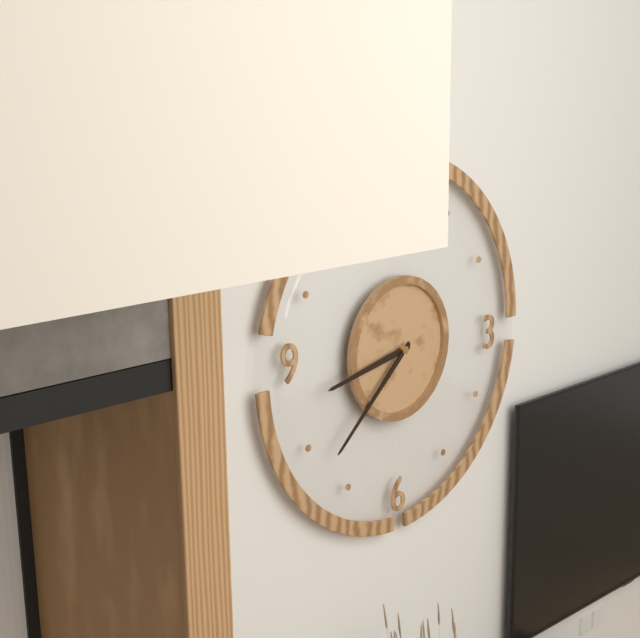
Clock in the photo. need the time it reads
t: 8:38
